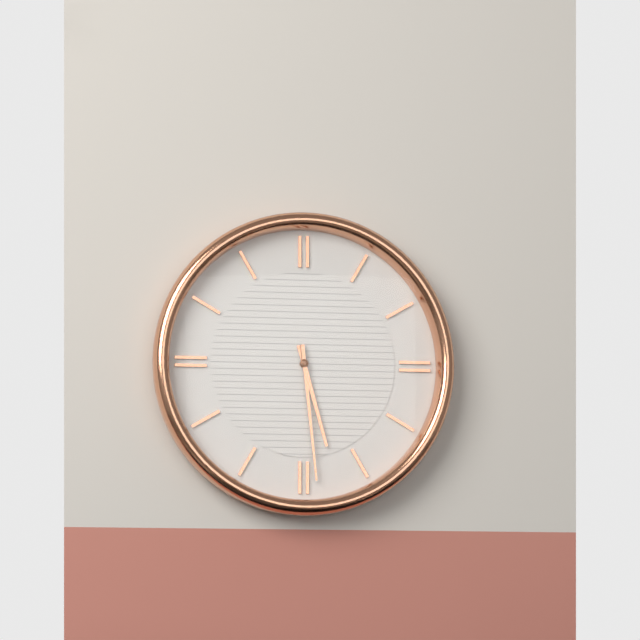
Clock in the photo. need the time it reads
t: 5:29
